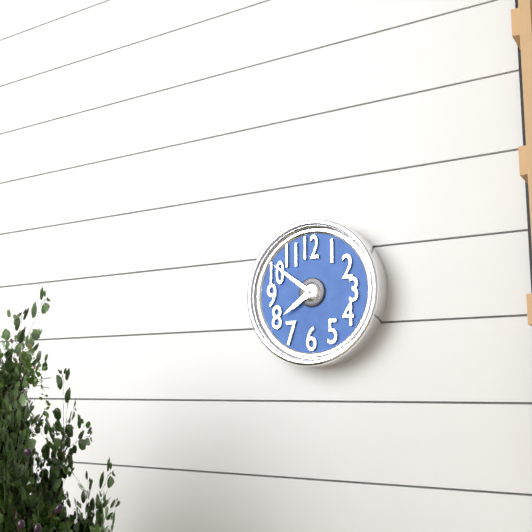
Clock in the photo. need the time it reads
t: 7:51
